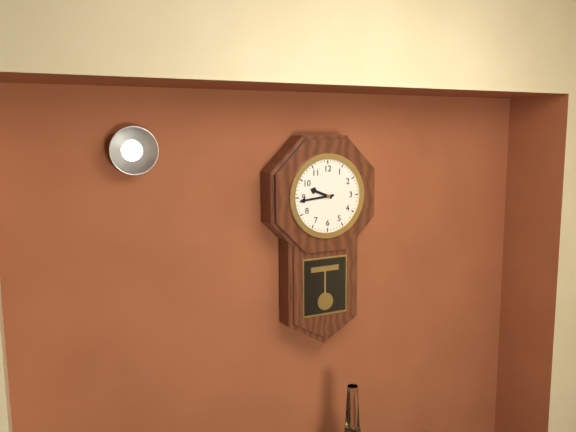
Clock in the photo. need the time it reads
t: 9:44
